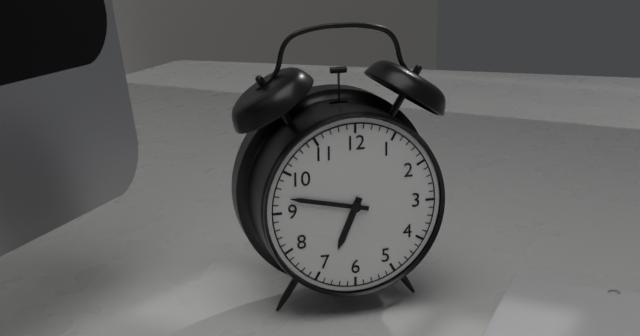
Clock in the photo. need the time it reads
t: 6:47
